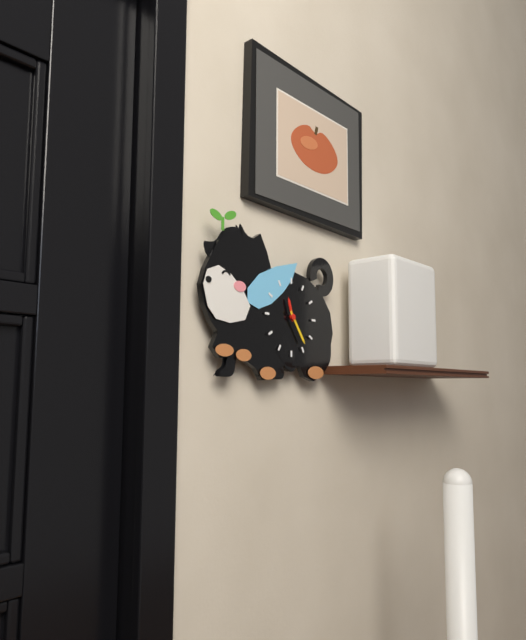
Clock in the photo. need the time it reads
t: 11:24
